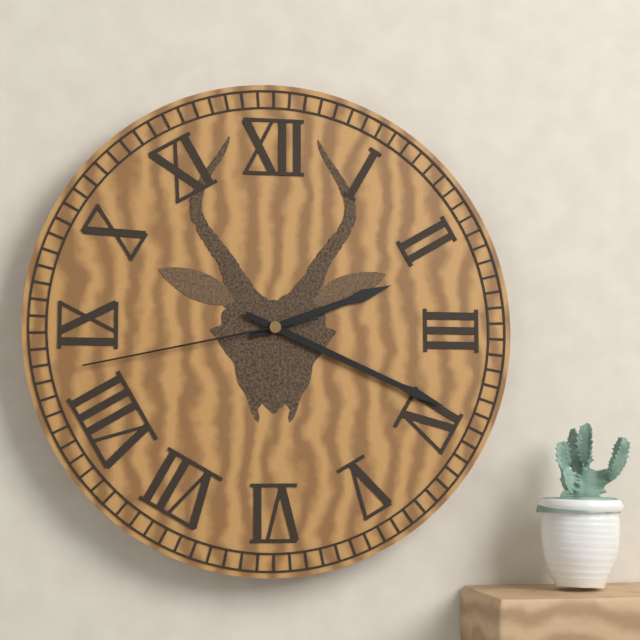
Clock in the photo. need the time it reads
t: 2:19:43
